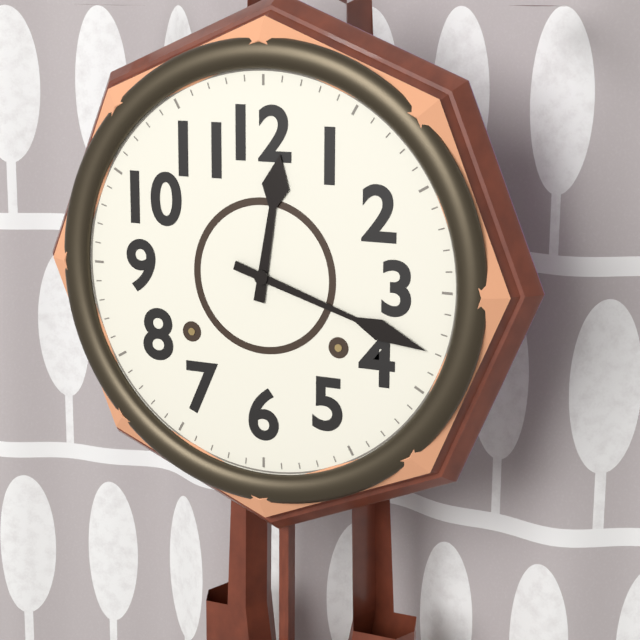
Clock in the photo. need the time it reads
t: 12:18
